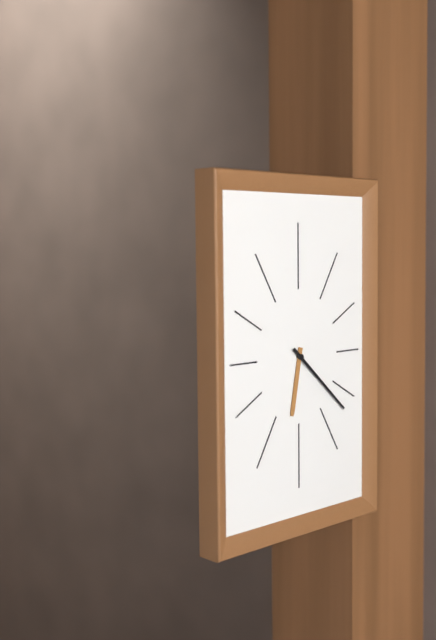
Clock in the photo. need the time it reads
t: 6:22
